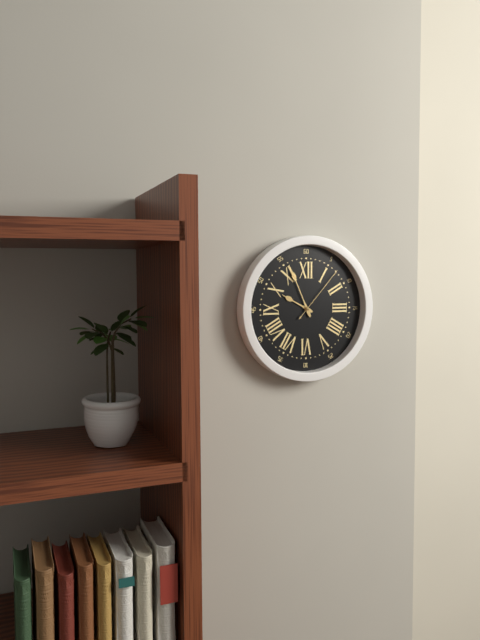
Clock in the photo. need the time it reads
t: 9:56:07
